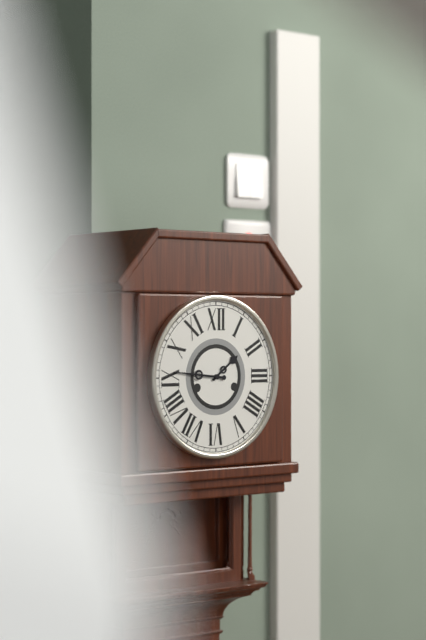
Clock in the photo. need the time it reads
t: 1:46
